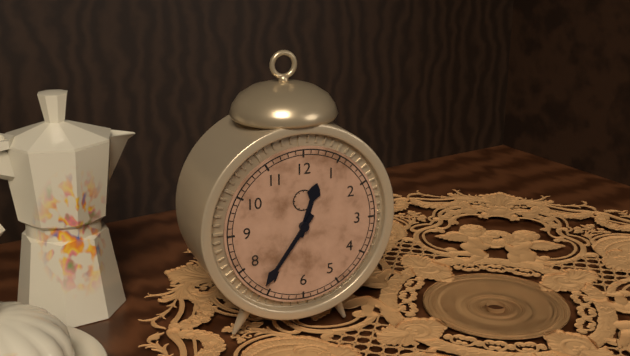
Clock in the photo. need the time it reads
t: 12:36
